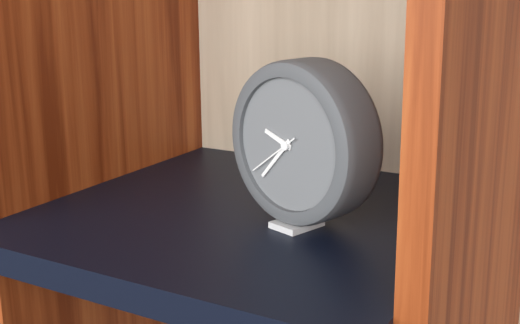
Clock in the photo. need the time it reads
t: 9:37:39
